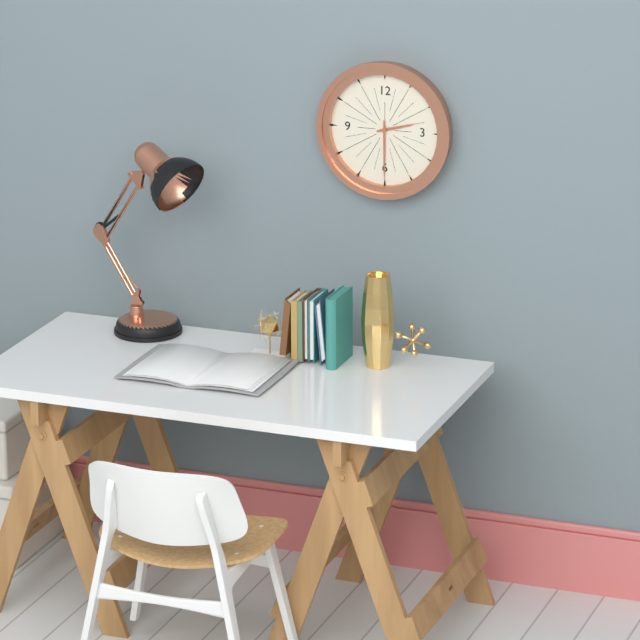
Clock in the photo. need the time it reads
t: 2:30
